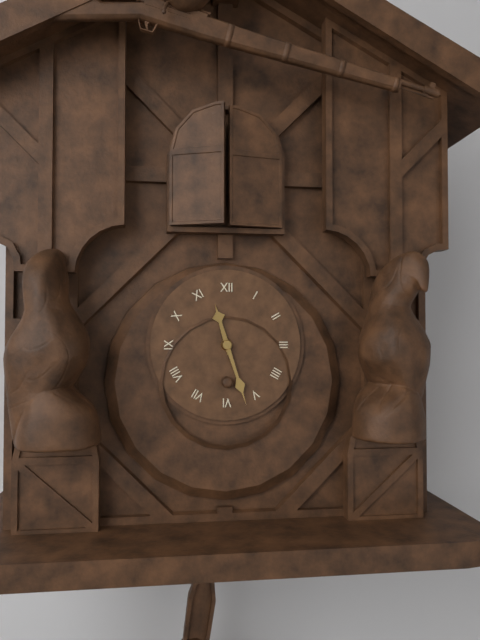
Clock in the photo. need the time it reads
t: 11:27
